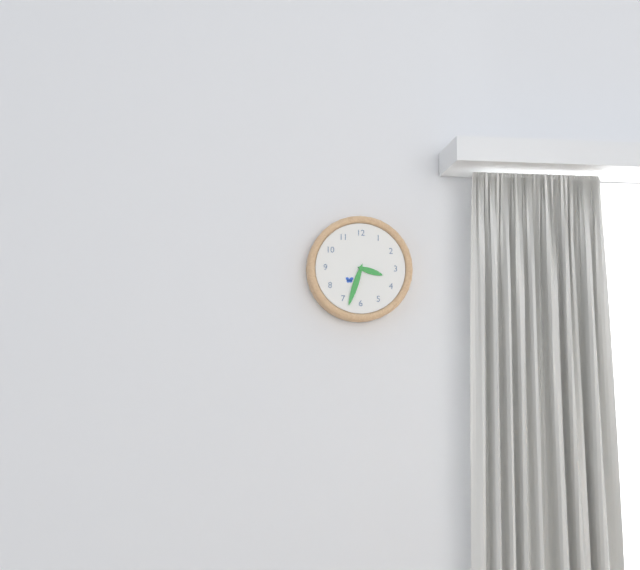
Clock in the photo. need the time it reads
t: 3:33
